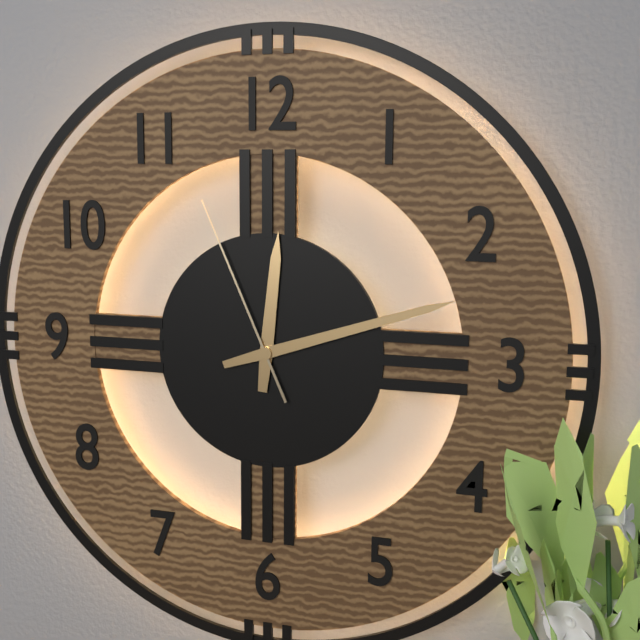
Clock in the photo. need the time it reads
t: 12:12:56
